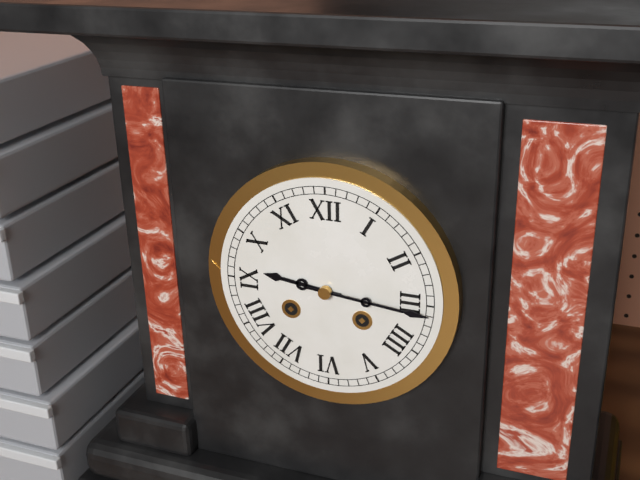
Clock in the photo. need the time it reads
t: 9:16
